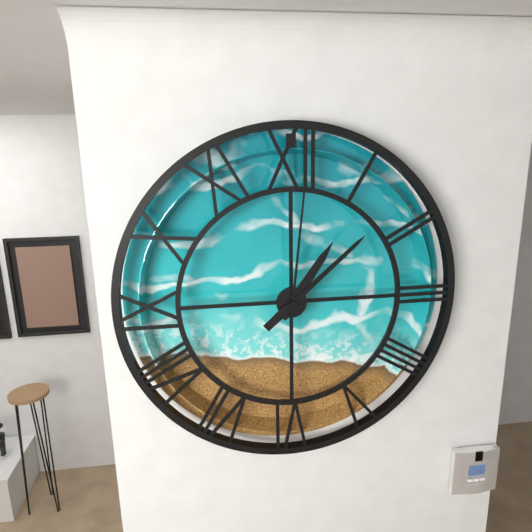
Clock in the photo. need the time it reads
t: 1:08:01
